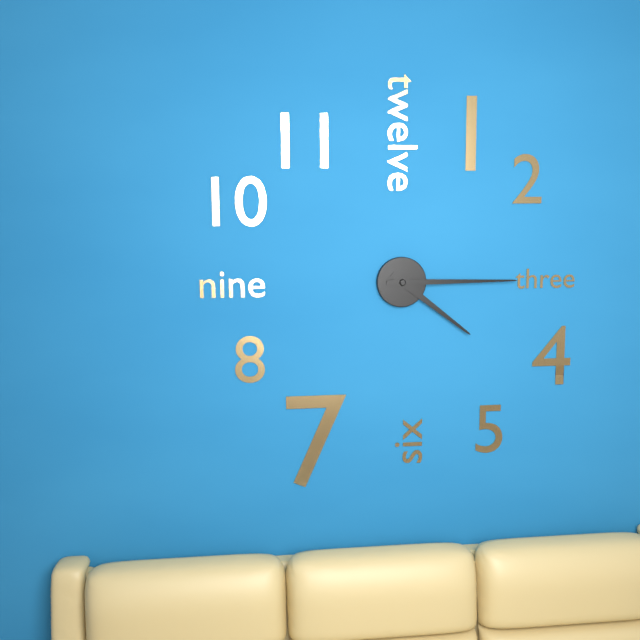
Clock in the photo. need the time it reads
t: 4:15
